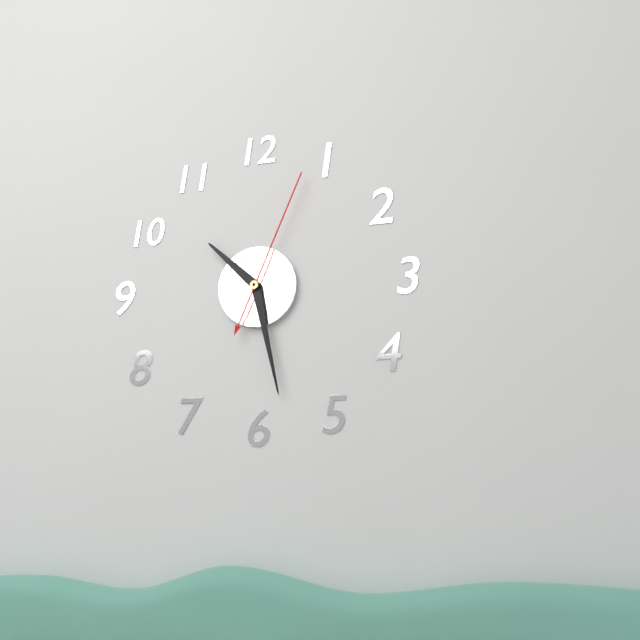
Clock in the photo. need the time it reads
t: 10:28:04
